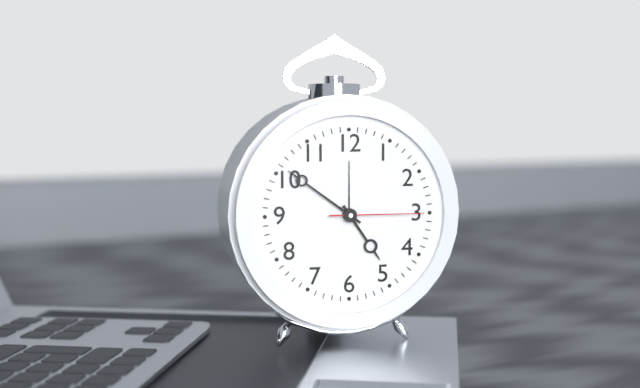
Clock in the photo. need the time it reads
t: 4:51:15
